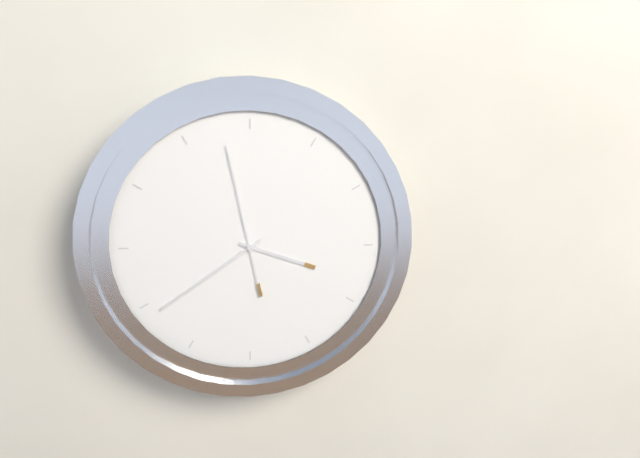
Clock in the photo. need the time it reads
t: 3:39:58
